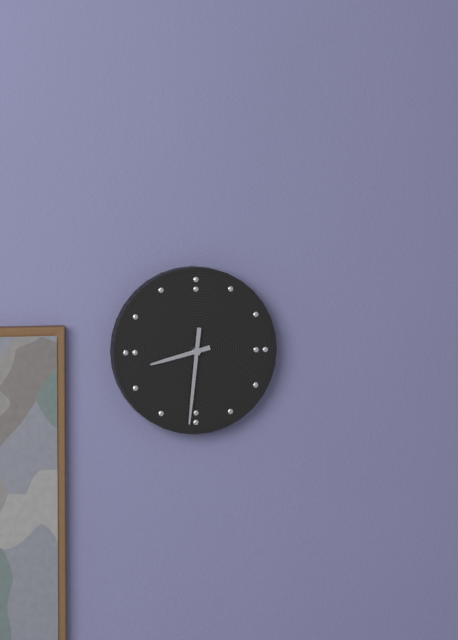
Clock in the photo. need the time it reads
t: 8:31
